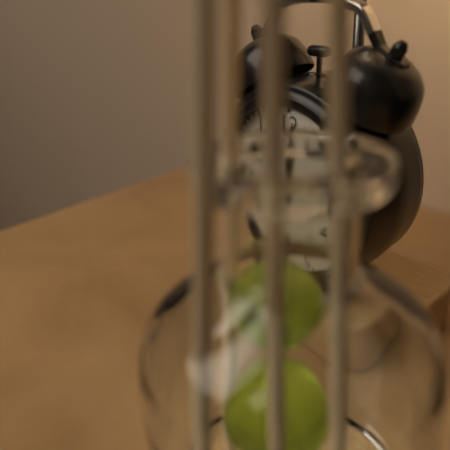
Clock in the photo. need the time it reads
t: 12:01
